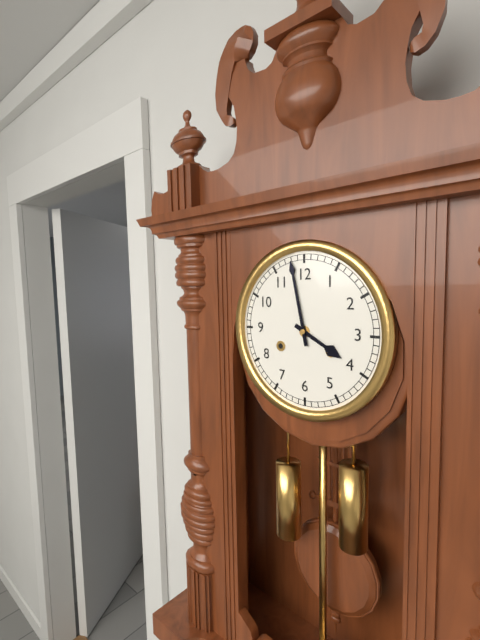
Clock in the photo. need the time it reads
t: 3:58
